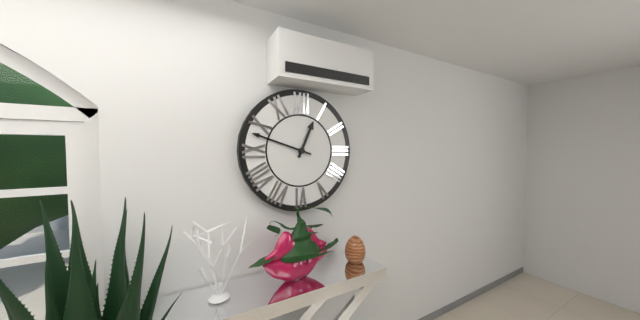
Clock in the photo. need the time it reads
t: 12:48
